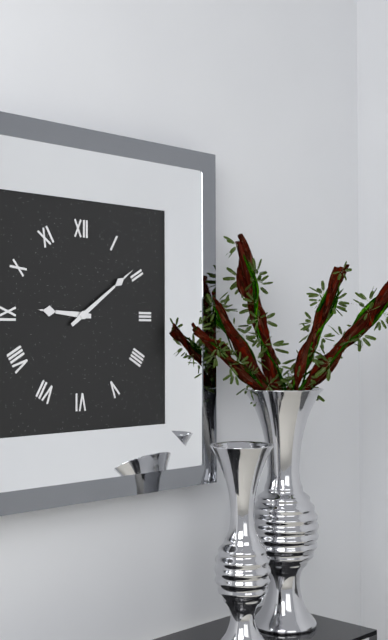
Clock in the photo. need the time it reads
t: 9:09
